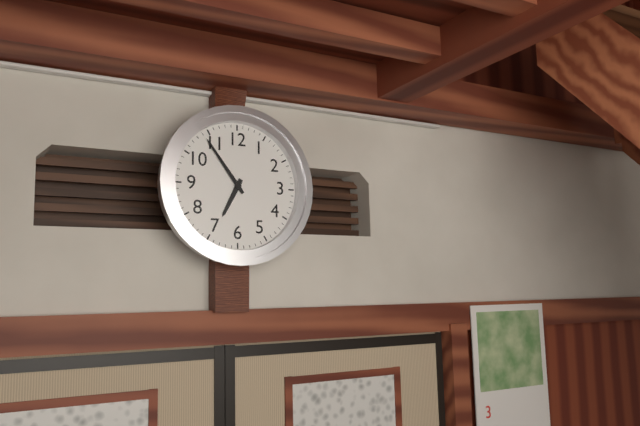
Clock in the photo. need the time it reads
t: 6:54
